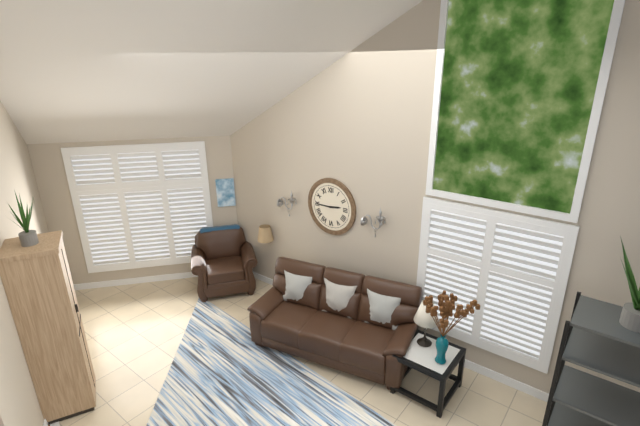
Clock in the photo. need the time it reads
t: 2:45
